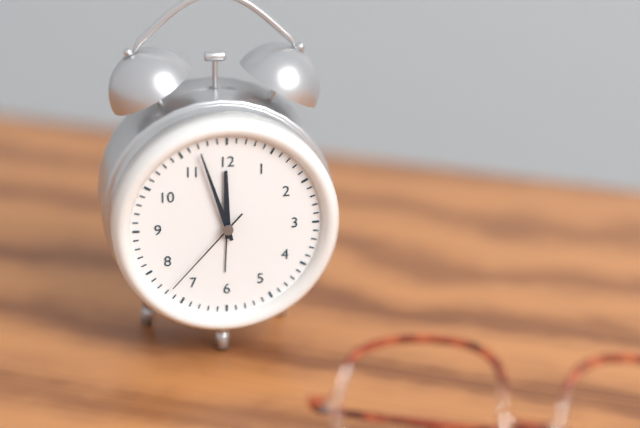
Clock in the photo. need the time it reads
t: 11:57:37
